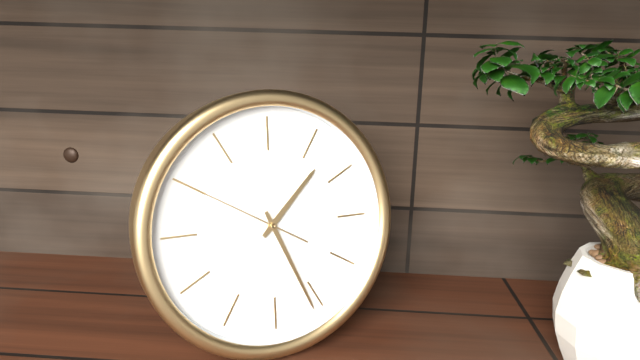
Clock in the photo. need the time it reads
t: 1:26:50
